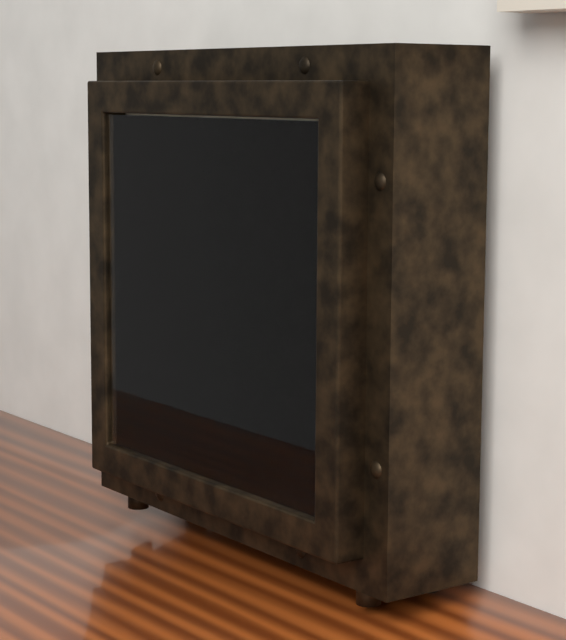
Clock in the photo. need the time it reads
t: 3:52
